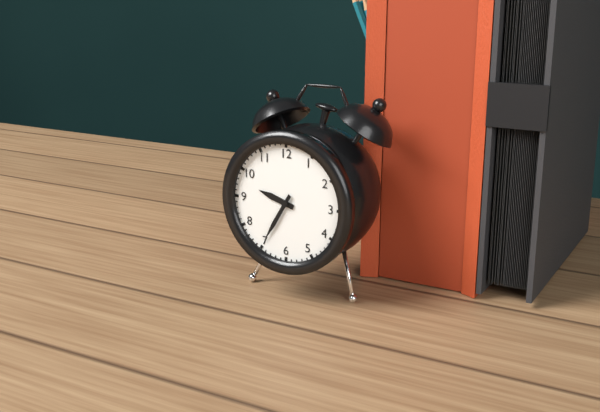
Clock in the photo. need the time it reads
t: 9:35
